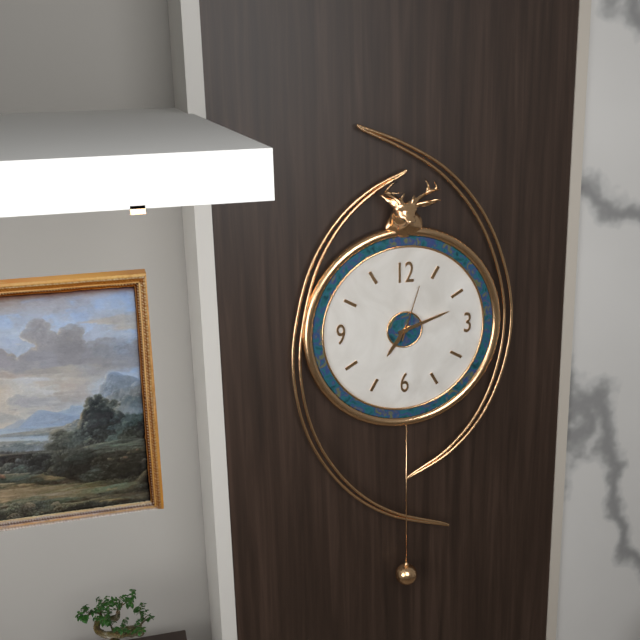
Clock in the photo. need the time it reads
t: 7:12:03
